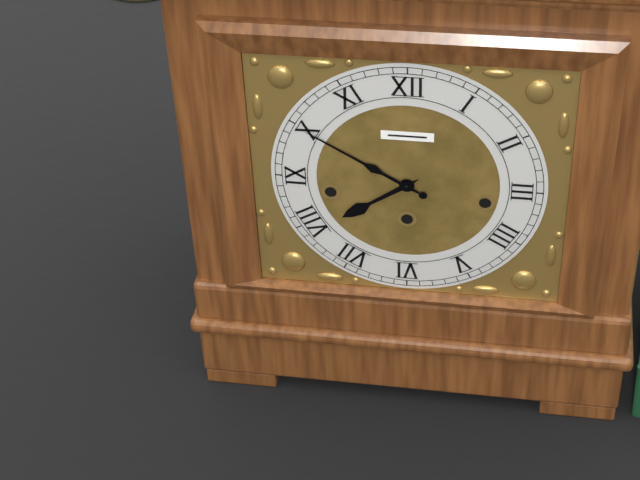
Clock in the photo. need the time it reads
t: 7:50
